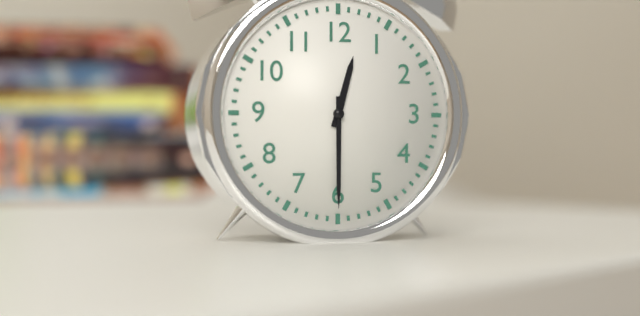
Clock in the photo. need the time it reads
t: 12:30
